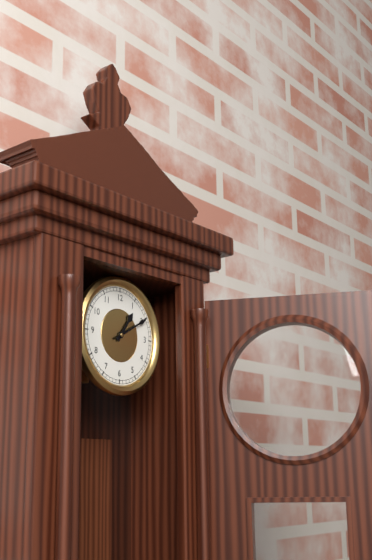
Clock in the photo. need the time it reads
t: 1:10
